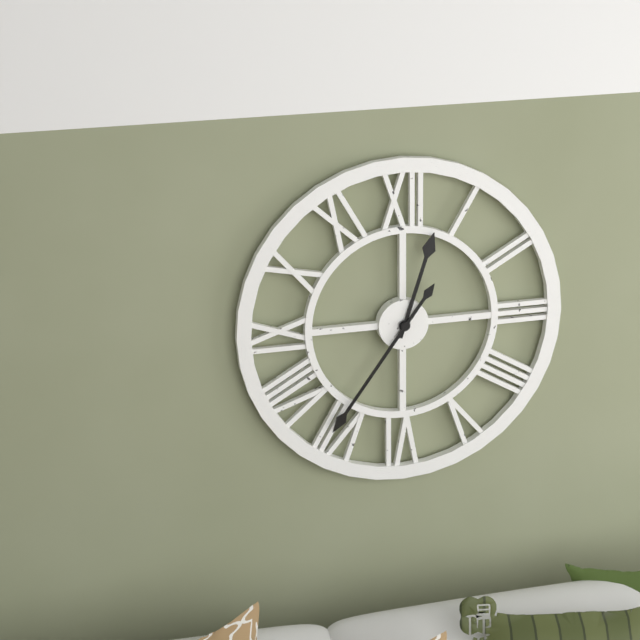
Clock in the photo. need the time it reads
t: 12:36
